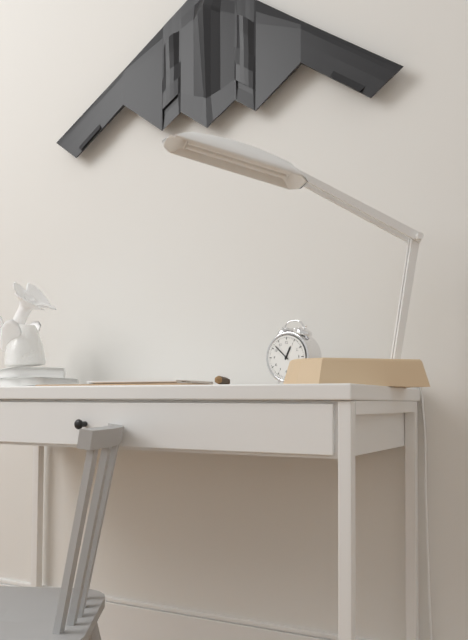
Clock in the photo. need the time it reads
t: 12:52
